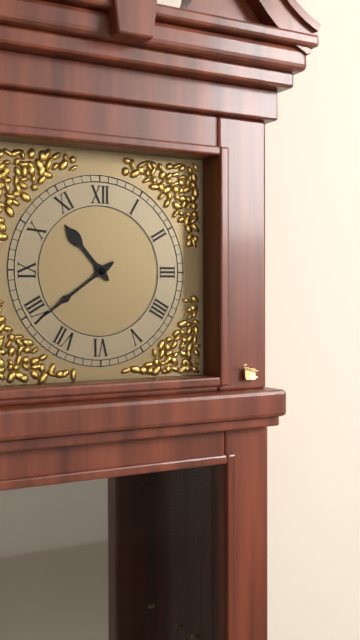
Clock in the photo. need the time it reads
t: 10:39
